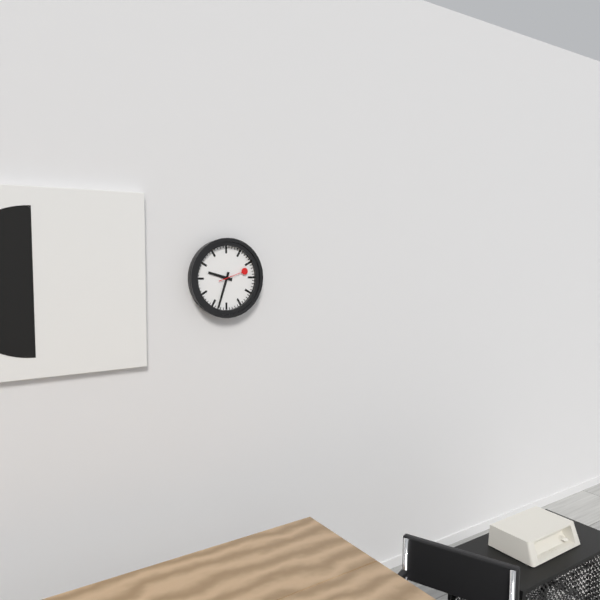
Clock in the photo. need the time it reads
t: 9:33
